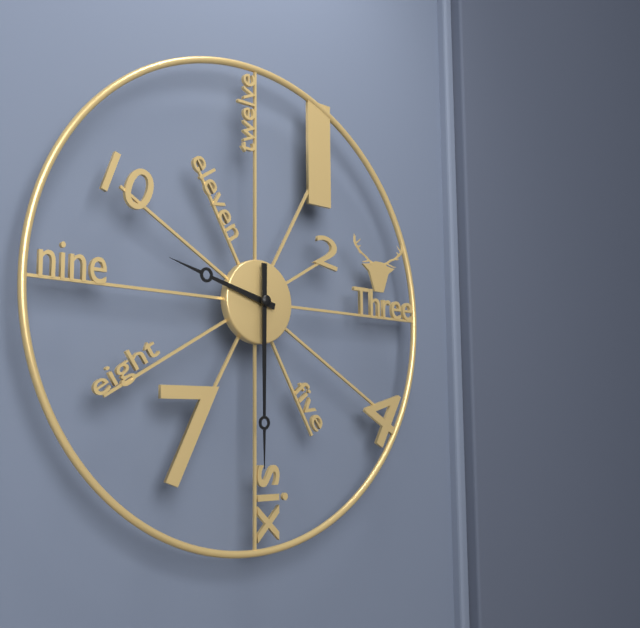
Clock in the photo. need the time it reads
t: 9:30
